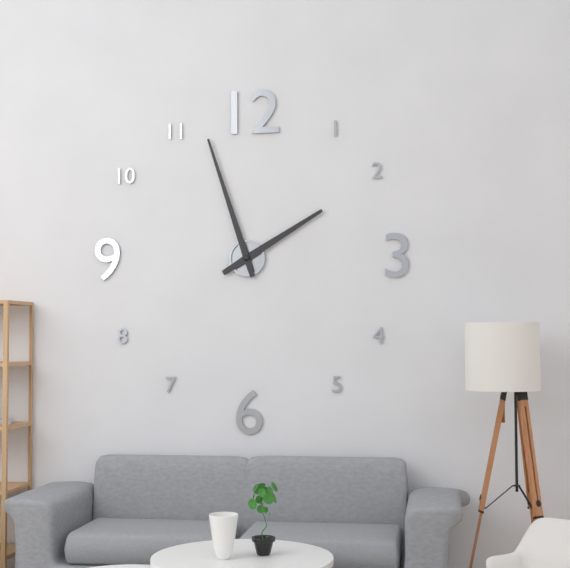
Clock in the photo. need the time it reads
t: 1:57
